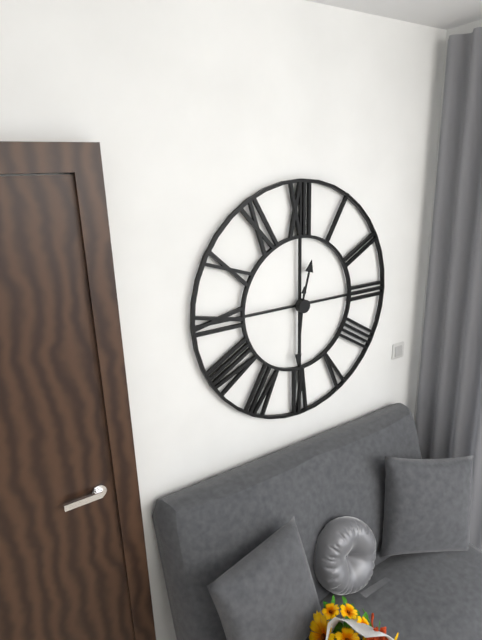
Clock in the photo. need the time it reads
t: 12:31
